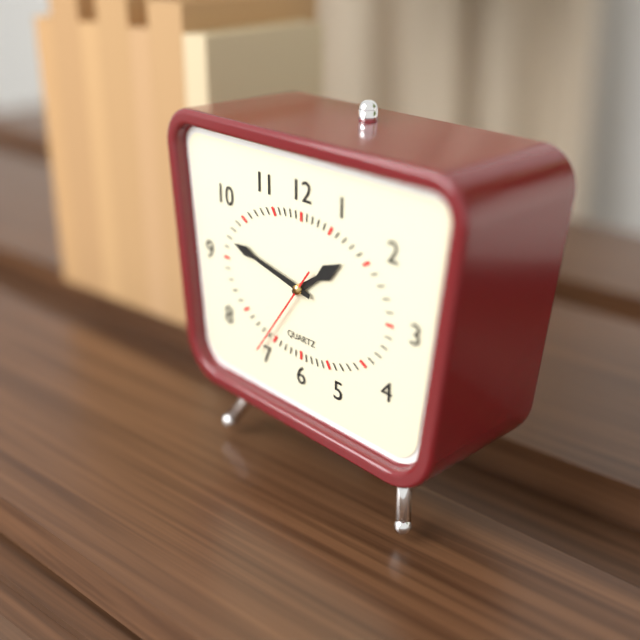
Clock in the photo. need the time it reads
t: 1:47:36
